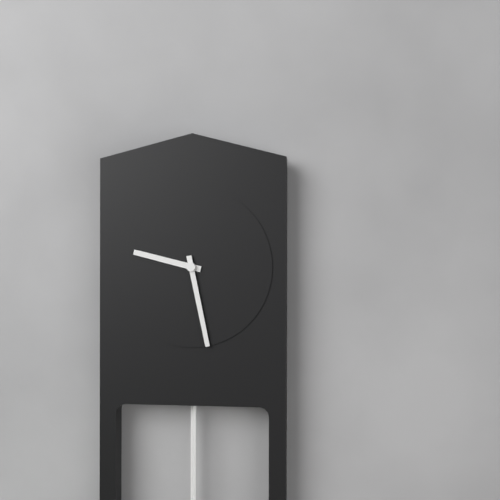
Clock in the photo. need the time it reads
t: 9:28
